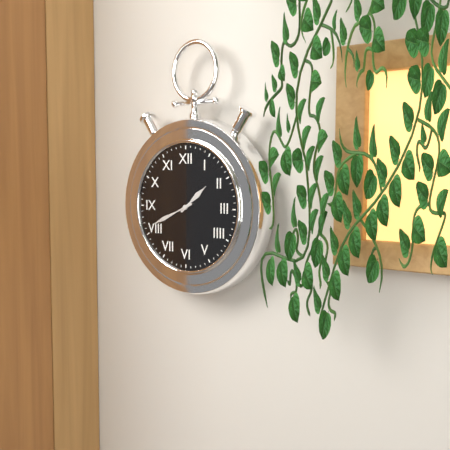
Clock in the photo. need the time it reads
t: 1:41
